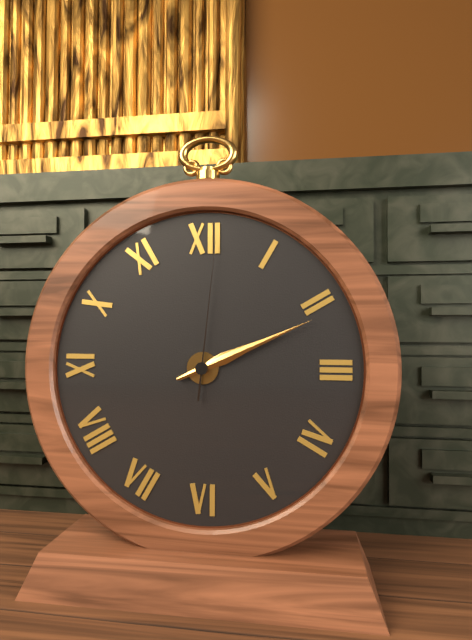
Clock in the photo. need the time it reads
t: 2:11:01
